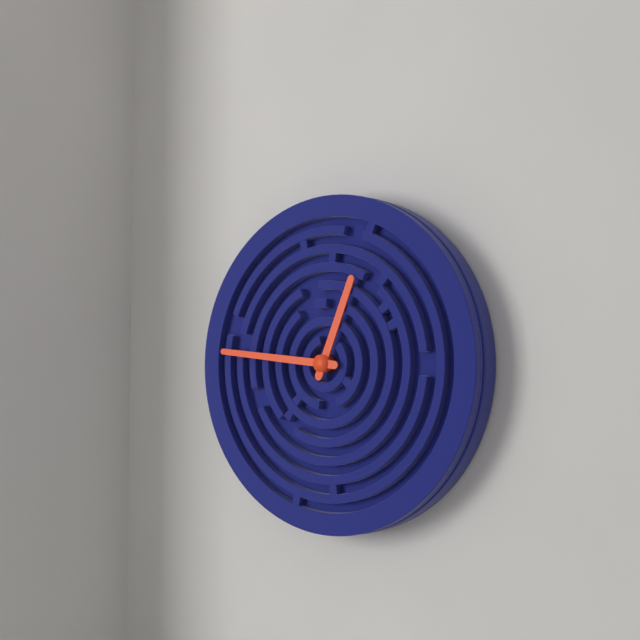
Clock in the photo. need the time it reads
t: 12:46
